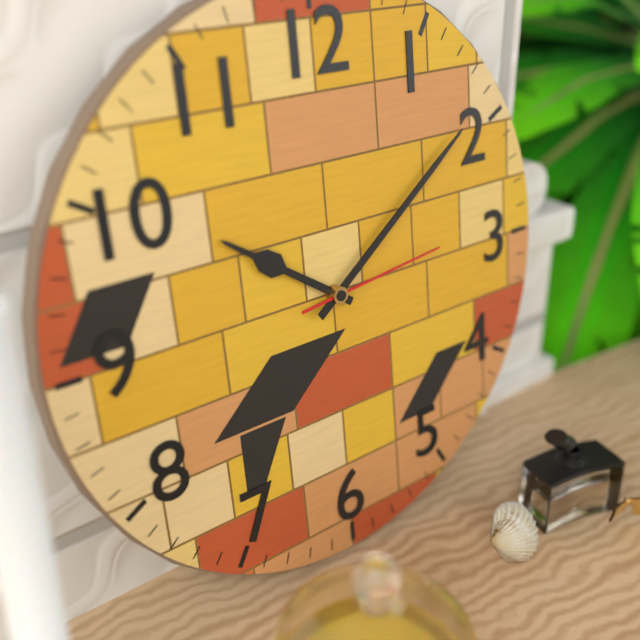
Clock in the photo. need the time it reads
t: 10:09:14
